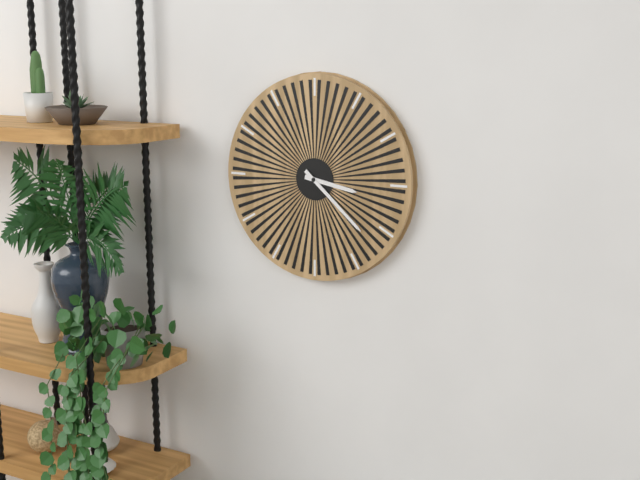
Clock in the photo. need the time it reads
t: 3:22
